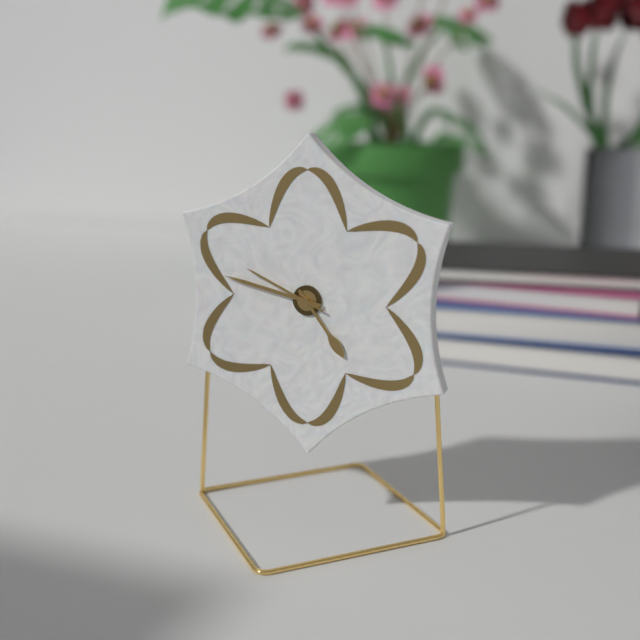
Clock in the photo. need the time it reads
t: 4:47:49
